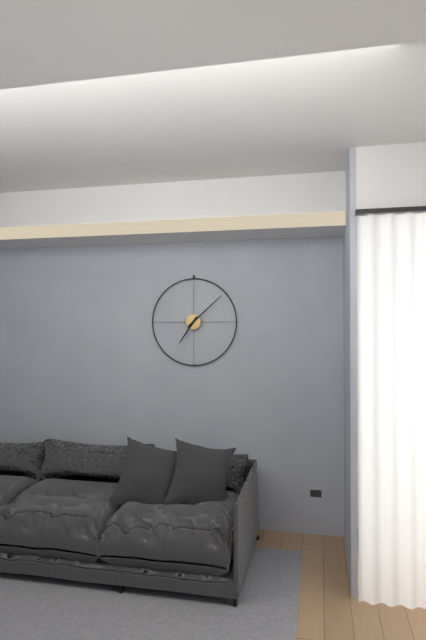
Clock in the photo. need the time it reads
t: 7:08
